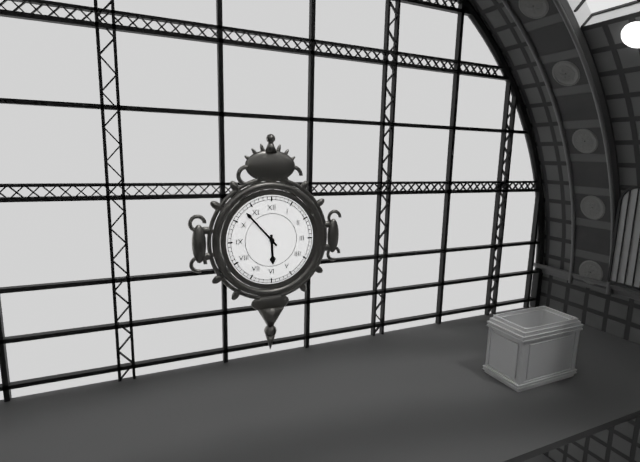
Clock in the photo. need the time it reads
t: 5:53
